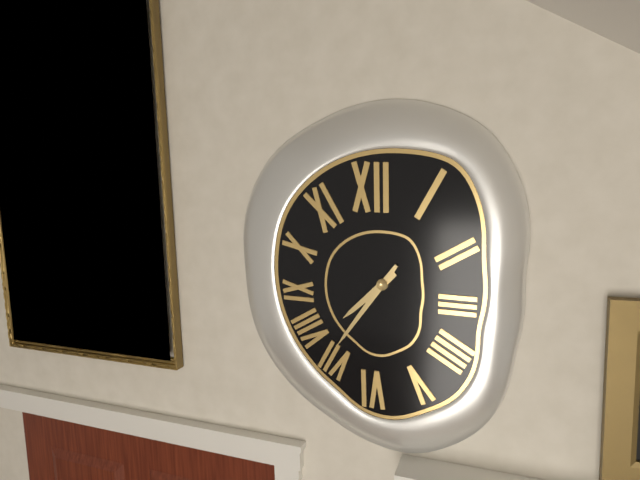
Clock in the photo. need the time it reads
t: 7:36
